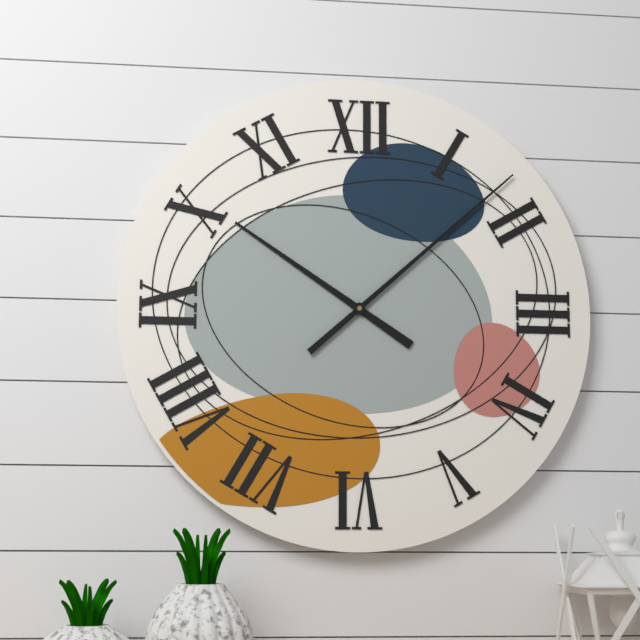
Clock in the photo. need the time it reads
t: 10:08
